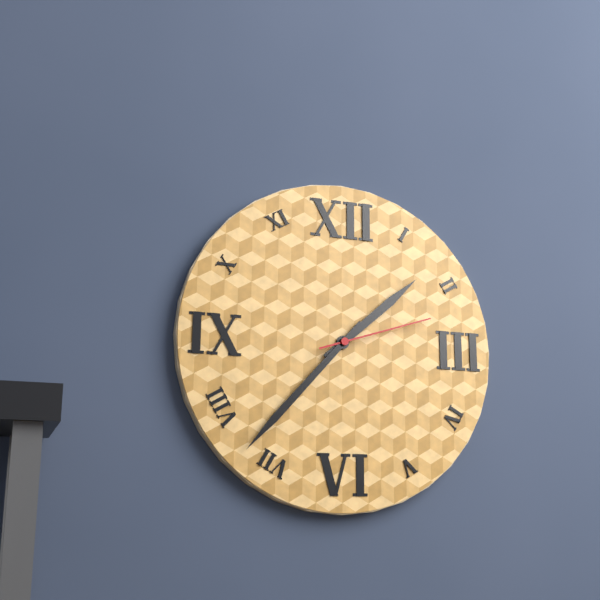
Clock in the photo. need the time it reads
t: 1:37:12
